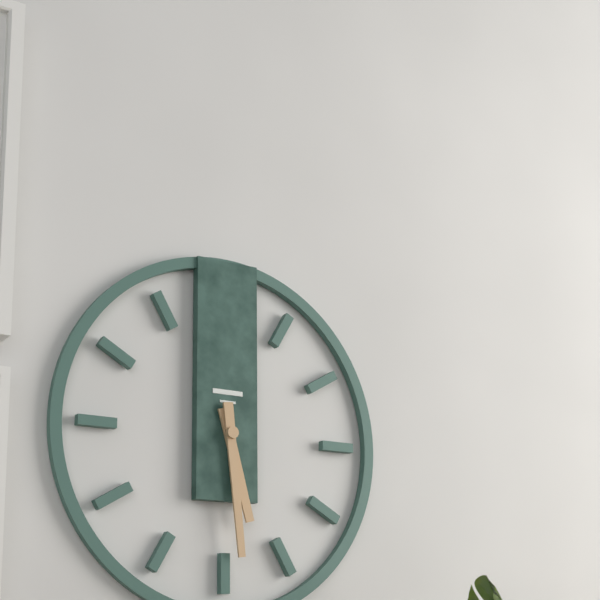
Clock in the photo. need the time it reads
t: 5:29
